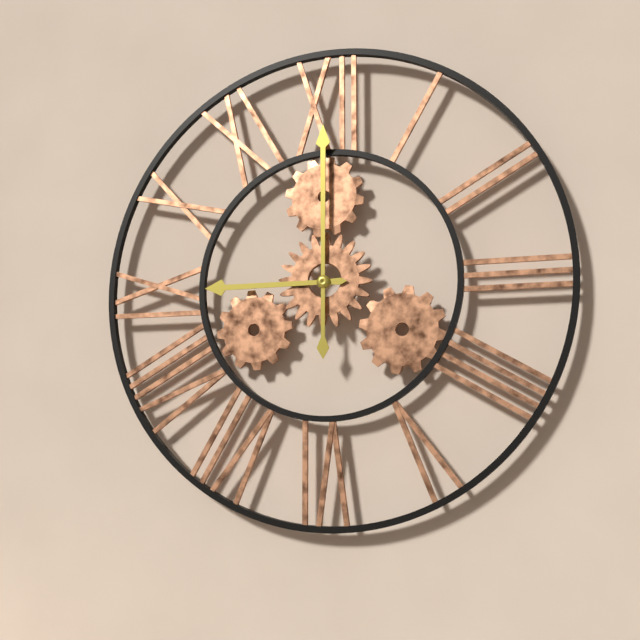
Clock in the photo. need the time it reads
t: 9:00
